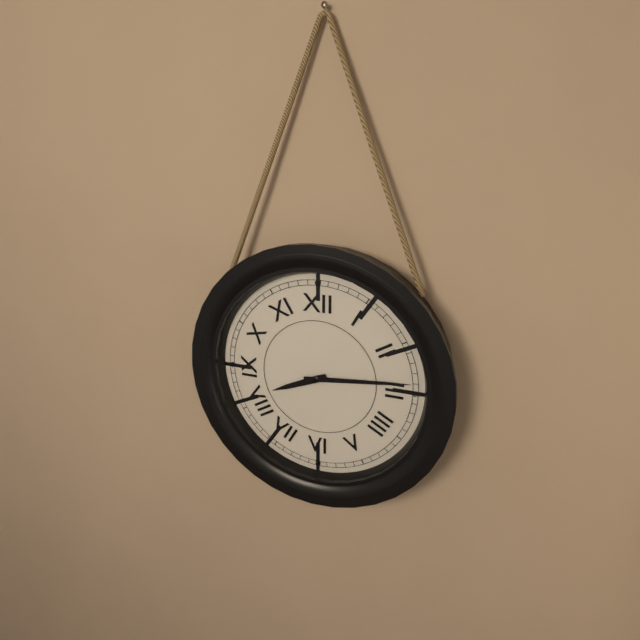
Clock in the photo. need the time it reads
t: 8:14
